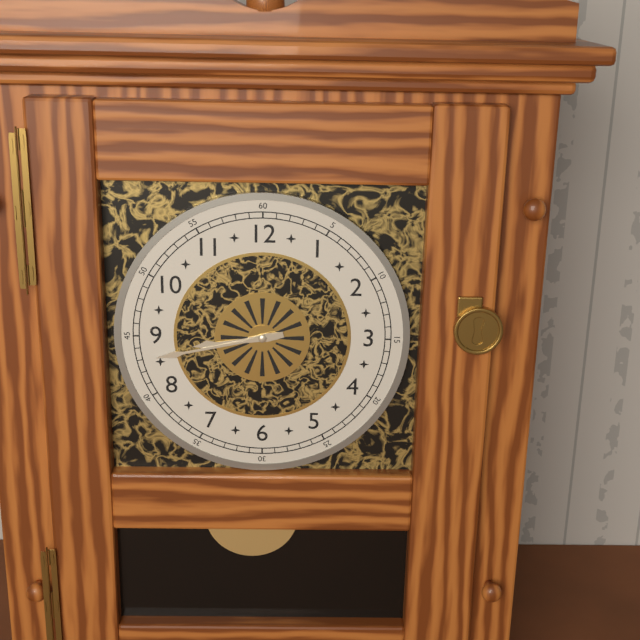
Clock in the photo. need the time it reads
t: 8:43
